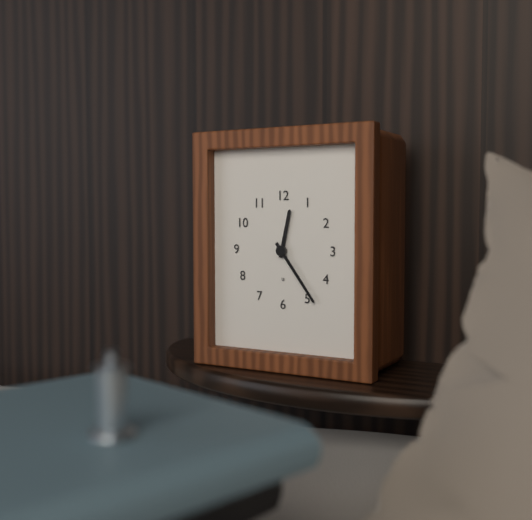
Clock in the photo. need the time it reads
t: 12:24
